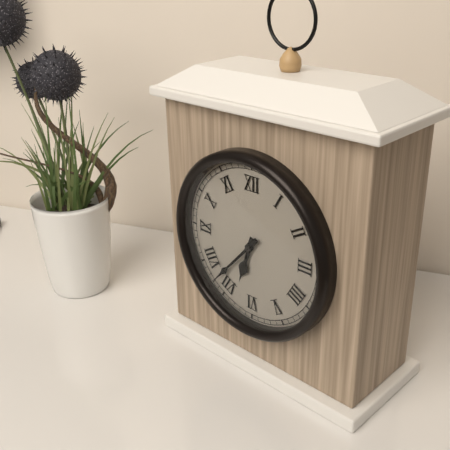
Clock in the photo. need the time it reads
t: 6:37
